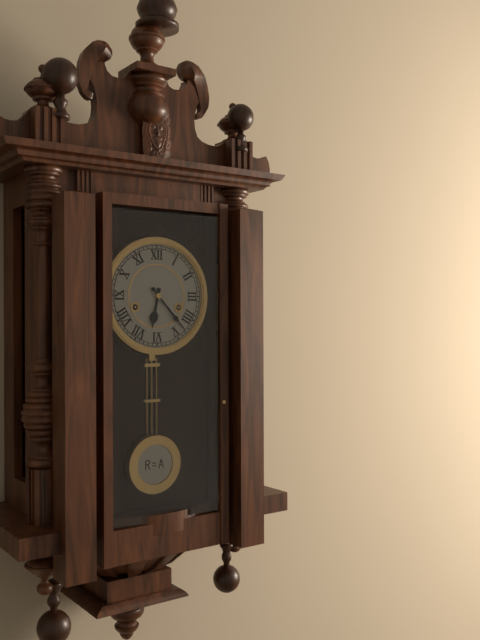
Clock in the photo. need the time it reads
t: 6:23
